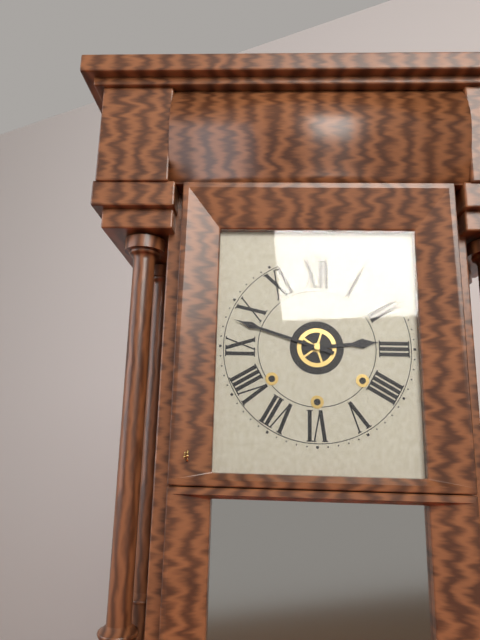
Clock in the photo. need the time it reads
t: 2:48
